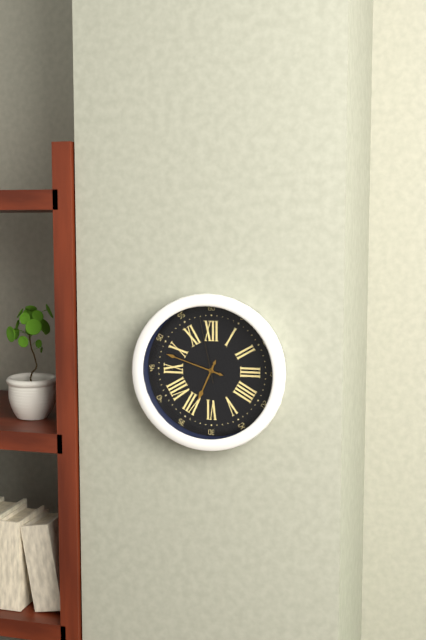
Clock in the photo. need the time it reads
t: 6:48:58
